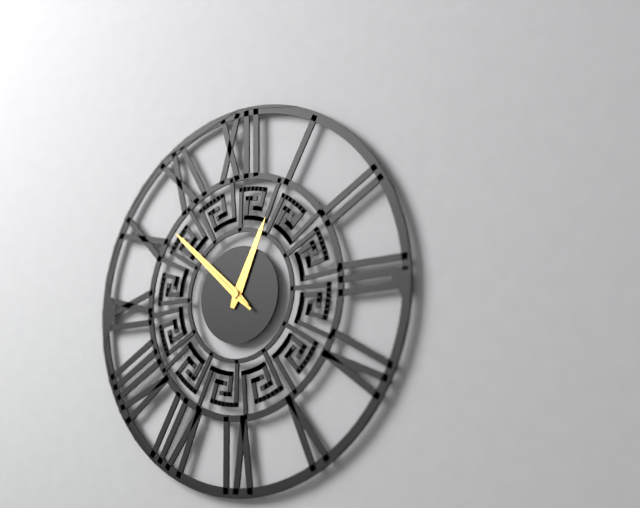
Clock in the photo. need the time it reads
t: 12:52:52
